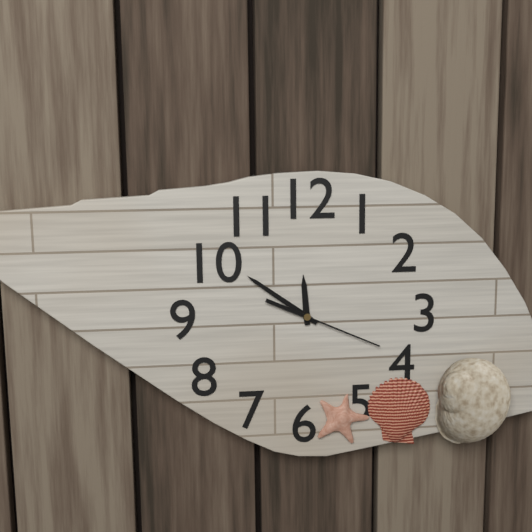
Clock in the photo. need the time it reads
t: 11:51:19
